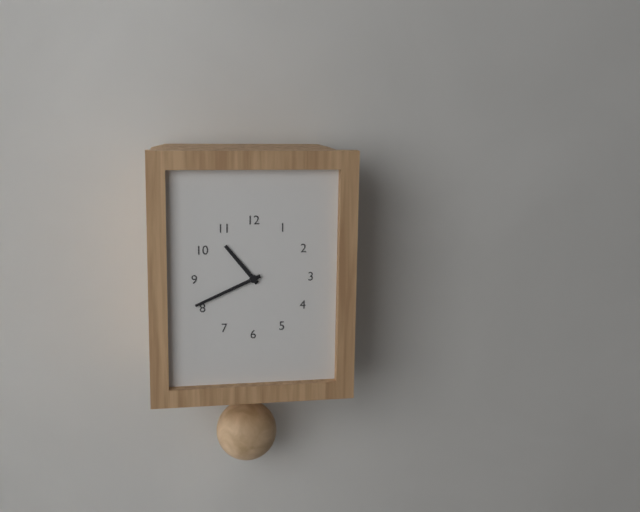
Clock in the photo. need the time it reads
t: 10:41
